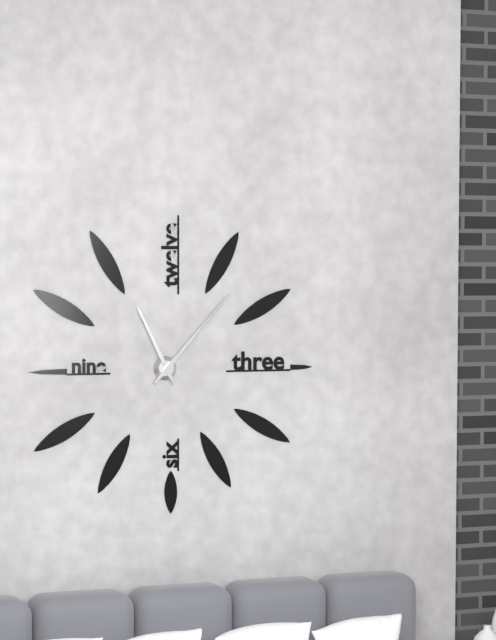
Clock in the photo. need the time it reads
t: 11:07
